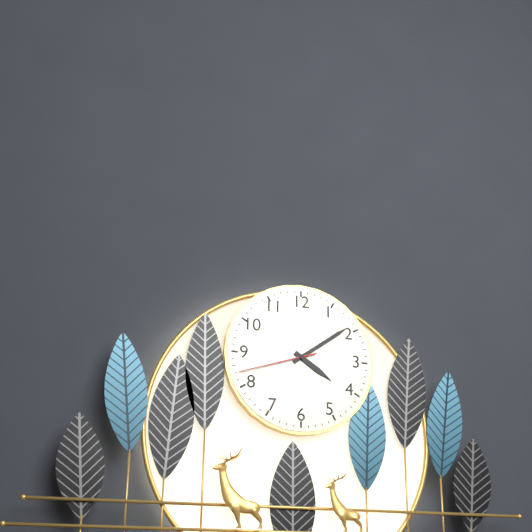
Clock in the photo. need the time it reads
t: 4:09:42
